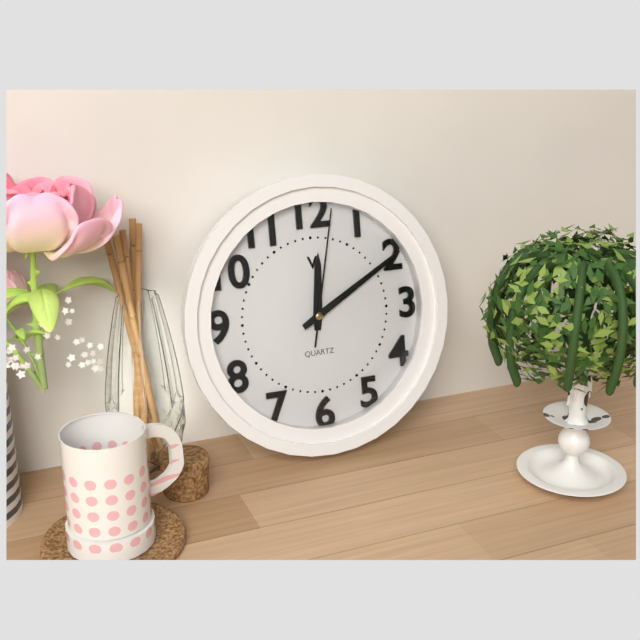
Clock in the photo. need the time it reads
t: 12:10:02
